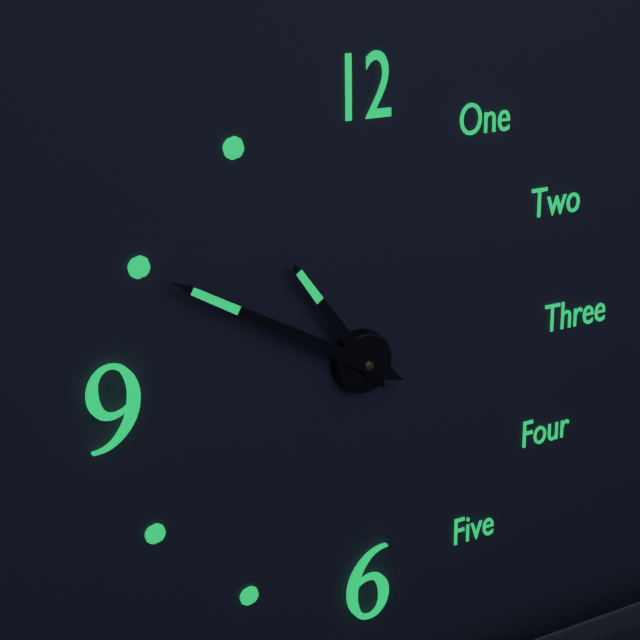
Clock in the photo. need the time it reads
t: 10:50
